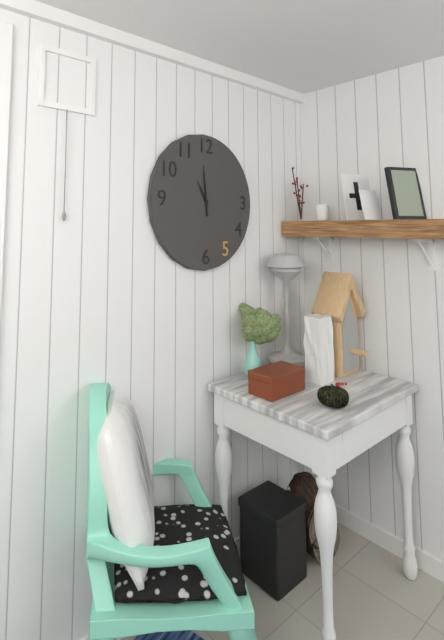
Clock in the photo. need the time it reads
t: 10:59
